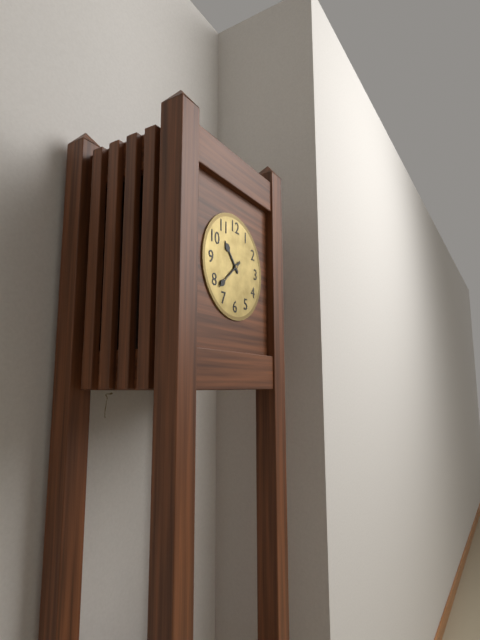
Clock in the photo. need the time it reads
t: 10:38
